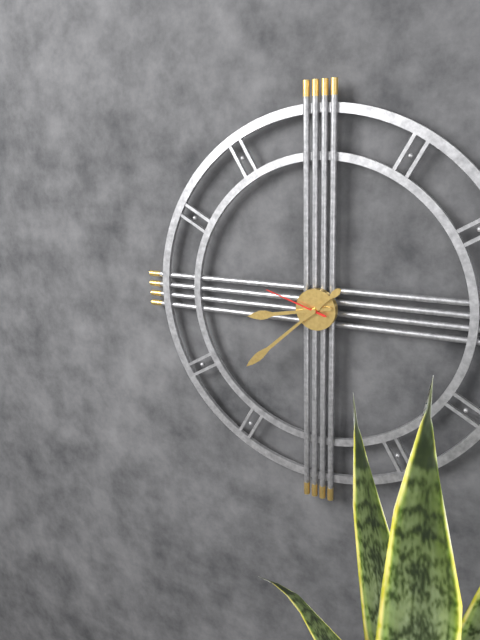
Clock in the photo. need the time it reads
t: 8:38:48
